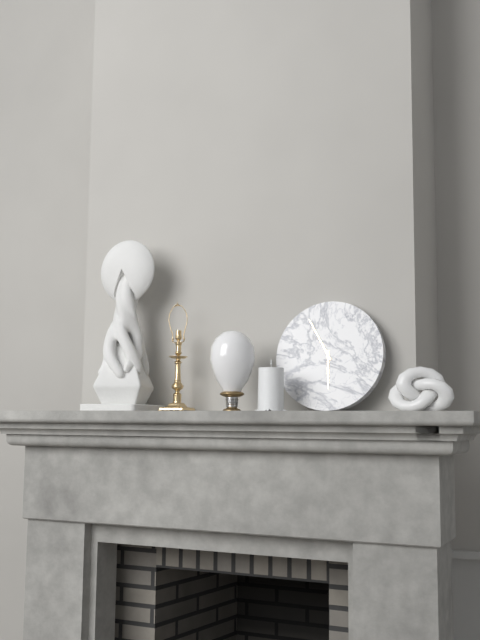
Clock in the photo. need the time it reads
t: 5:55
